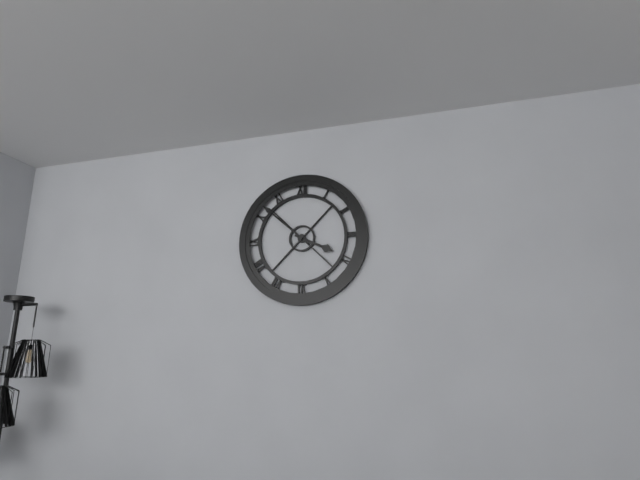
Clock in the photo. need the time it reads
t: 3:52
